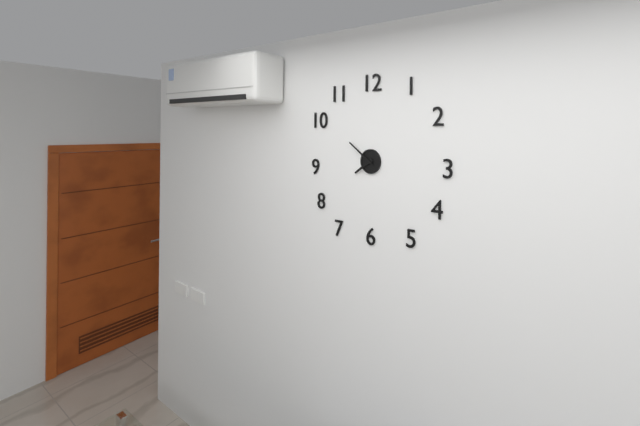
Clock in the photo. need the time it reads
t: 7:51
